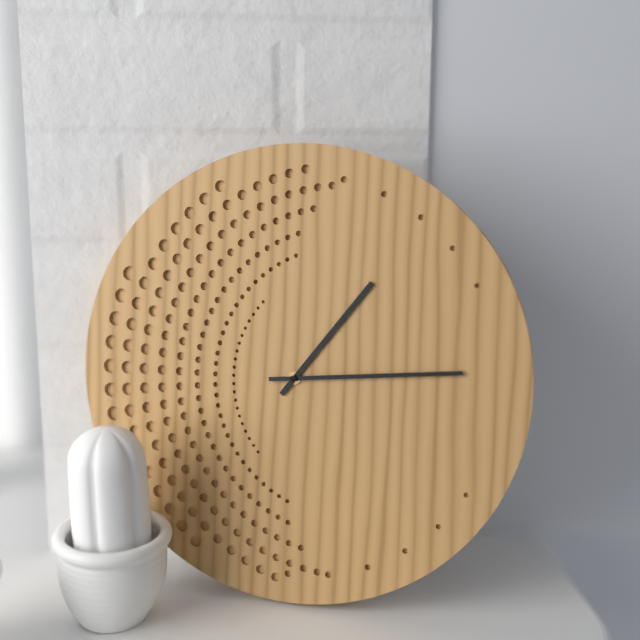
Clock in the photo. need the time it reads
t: 1:14
